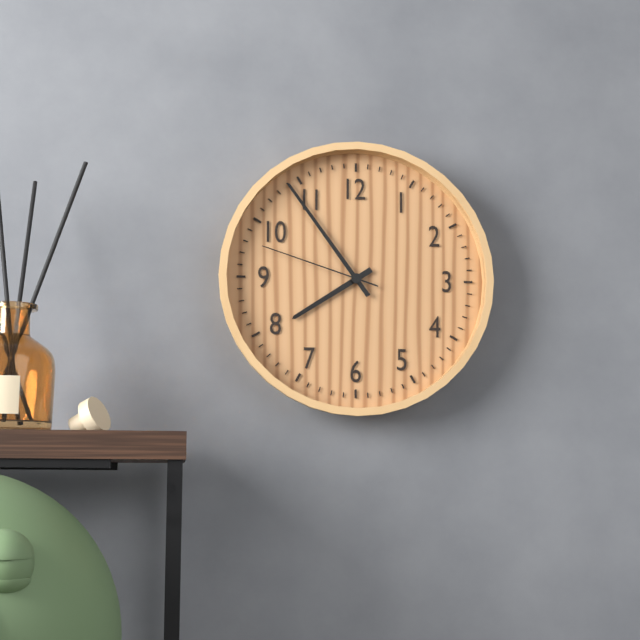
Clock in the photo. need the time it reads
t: 7:54:48
